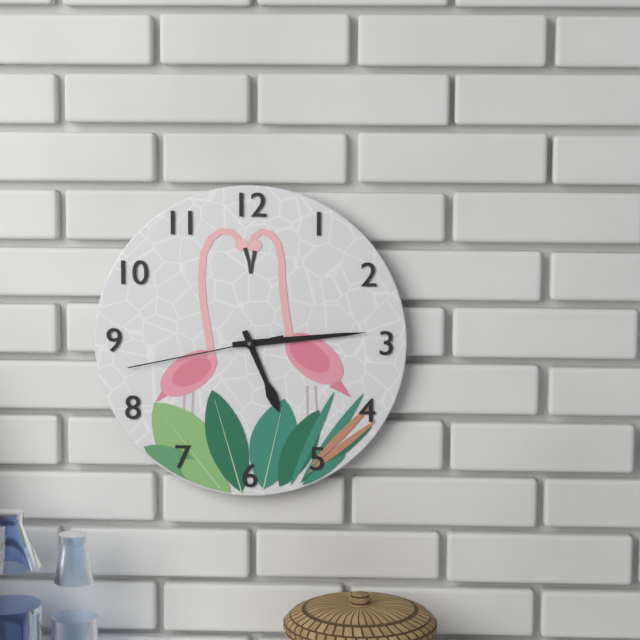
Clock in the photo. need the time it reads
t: 5:14:43
